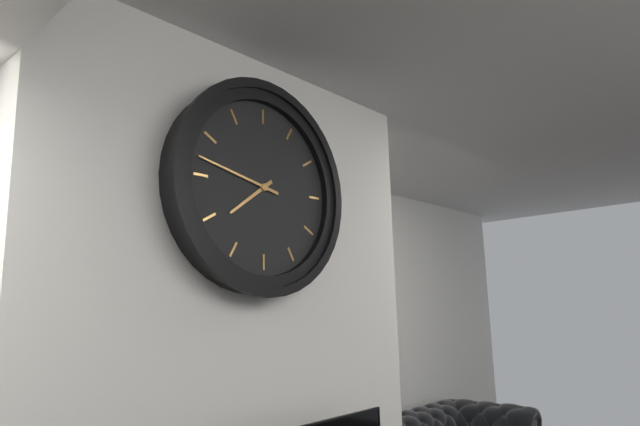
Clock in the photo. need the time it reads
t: 7:47
